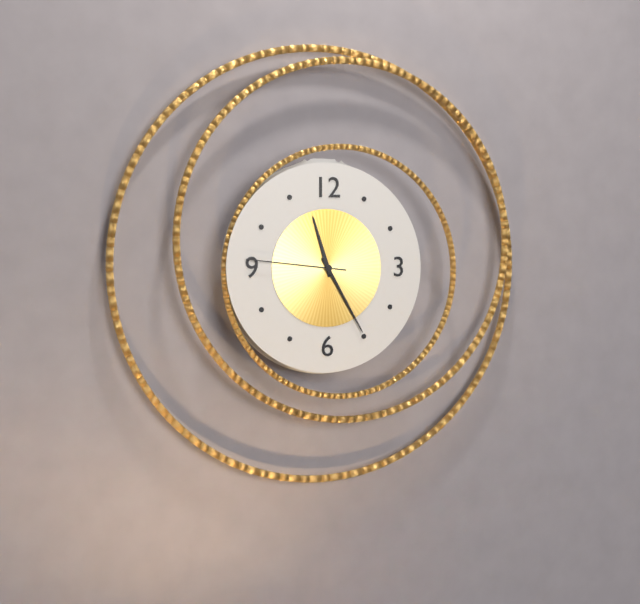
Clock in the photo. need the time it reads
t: 11:25:46
